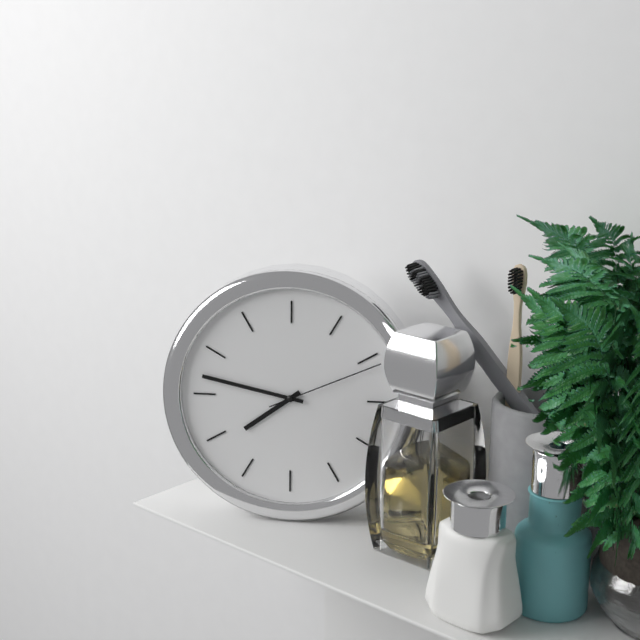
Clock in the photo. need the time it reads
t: 7:47:11
